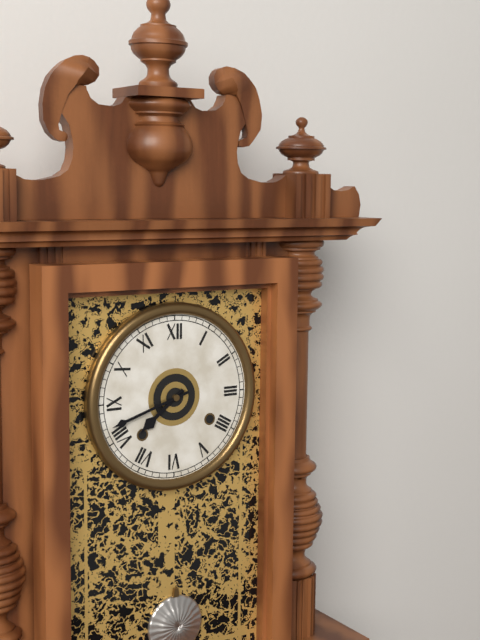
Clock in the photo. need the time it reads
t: 7:42
